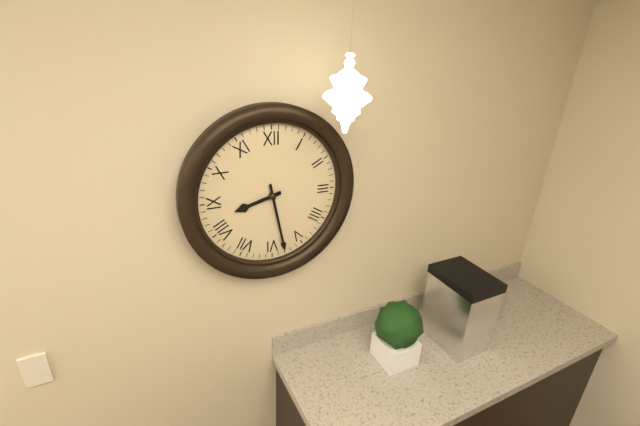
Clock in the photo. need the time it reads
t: 8:28
